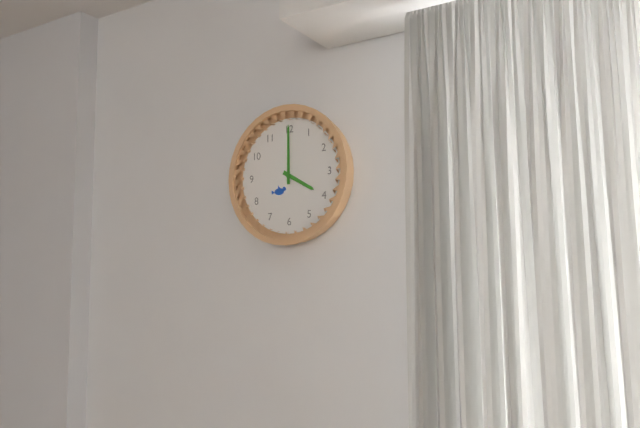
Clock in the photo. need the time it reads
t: 4:00
